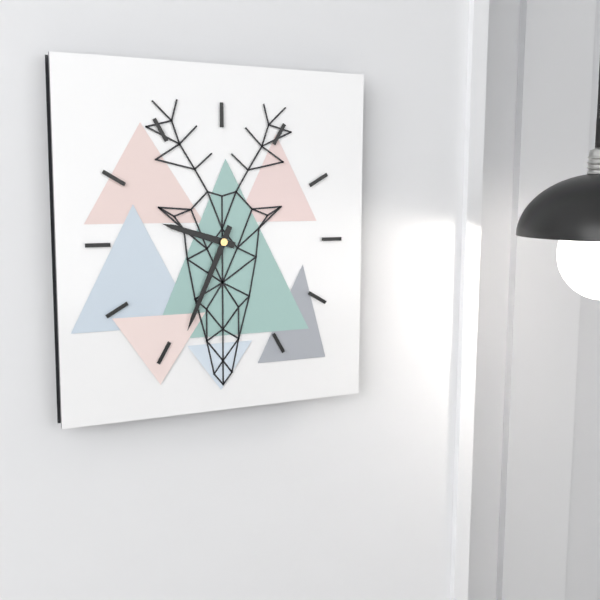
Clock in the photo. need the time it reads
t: 9:34
